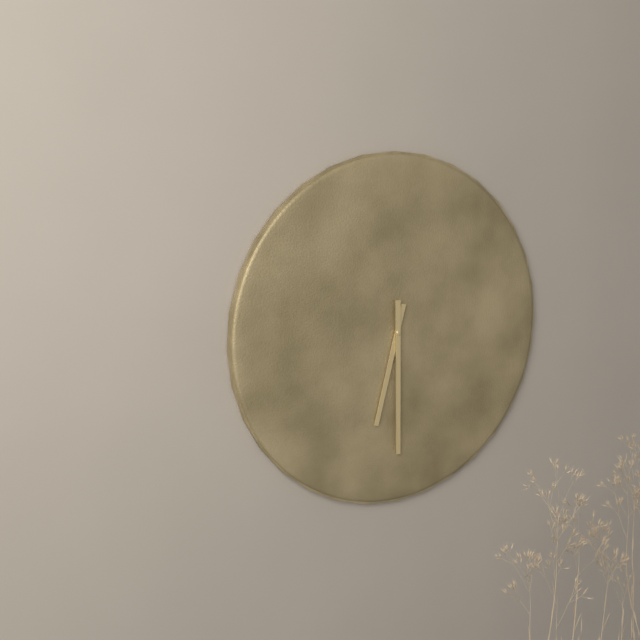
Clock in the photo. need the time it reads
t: 6:30
